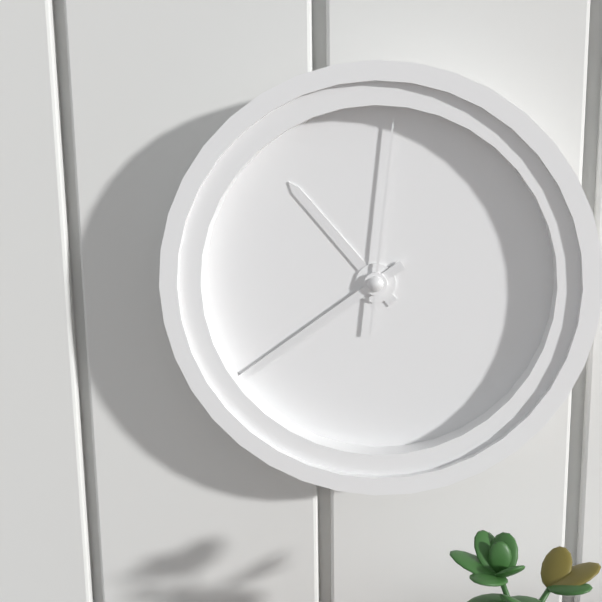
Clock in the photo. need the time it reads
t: 10:39:01
